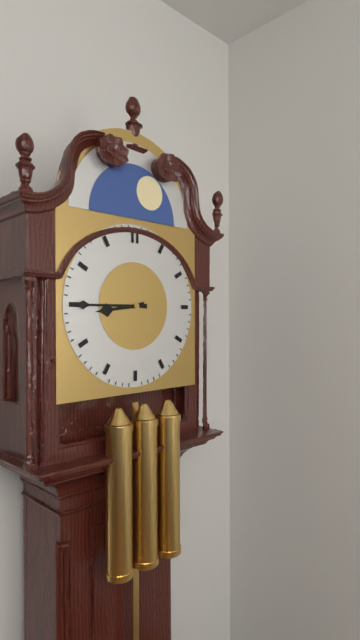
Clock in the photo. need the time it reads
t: 8:45
